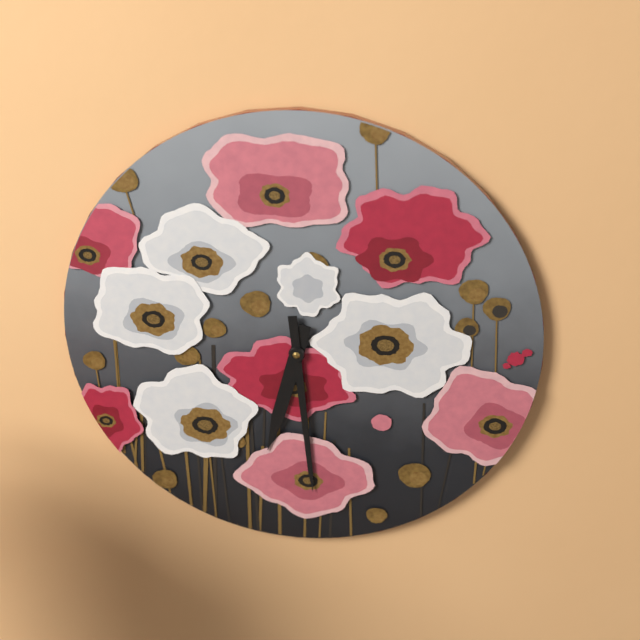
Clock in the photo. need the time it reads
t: 6:29
